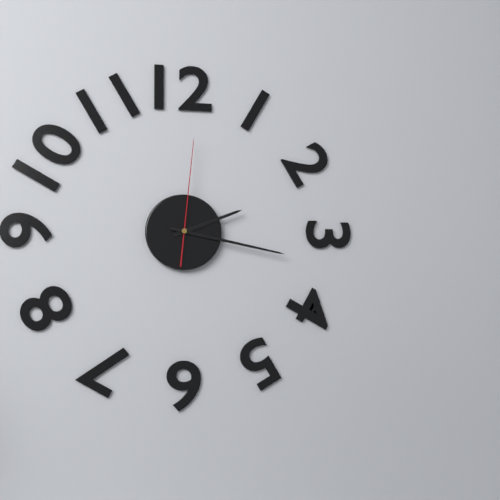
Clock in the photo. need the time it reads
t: 2:17:01
